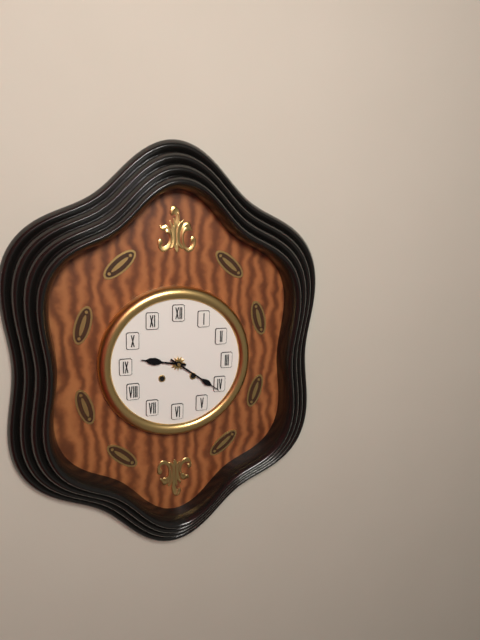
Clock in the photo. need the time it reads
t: 9:21
